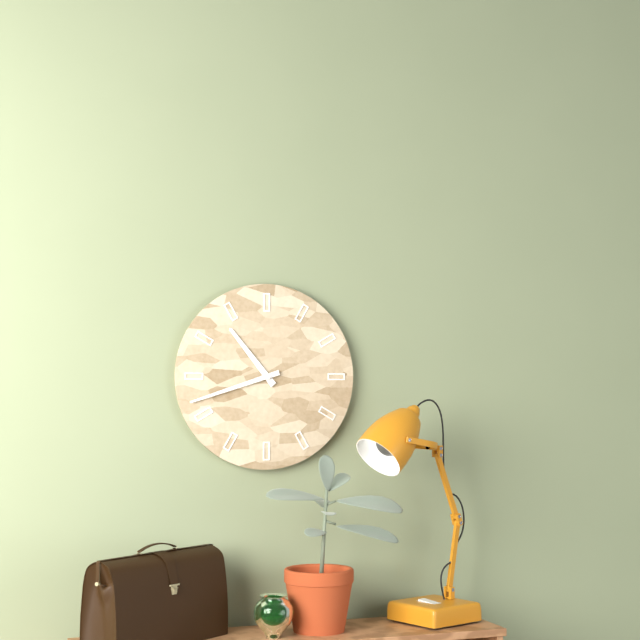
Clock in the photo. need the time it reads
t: 10:42
